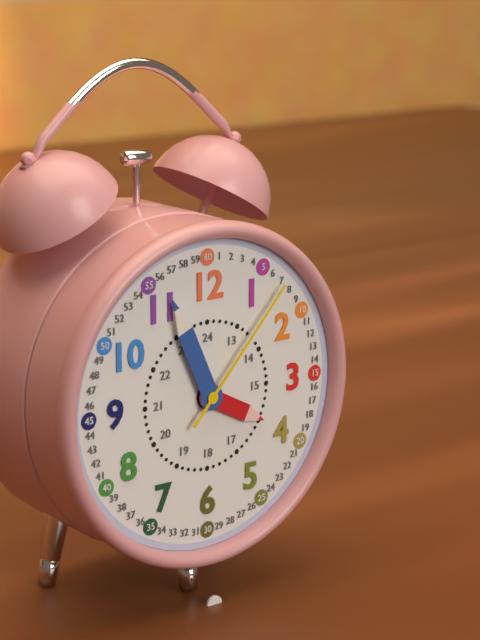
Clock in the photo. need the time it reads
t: 3:56:07
